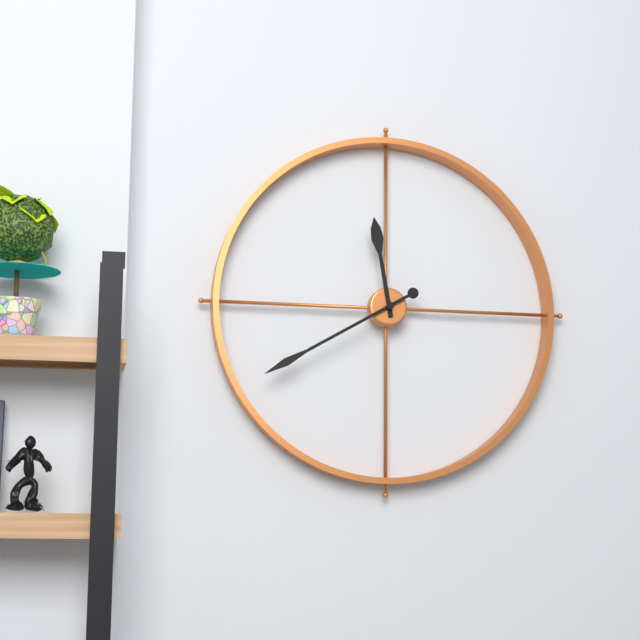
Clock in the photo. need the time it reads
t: 11:40
